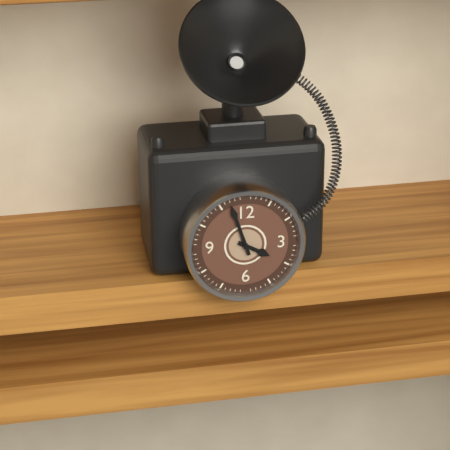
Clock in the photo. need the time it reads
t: 3:57
